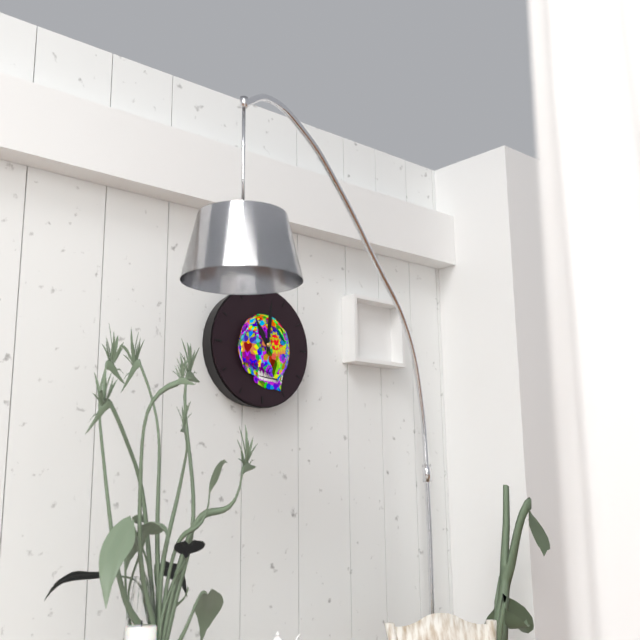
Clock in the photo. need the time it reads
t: 11:01
